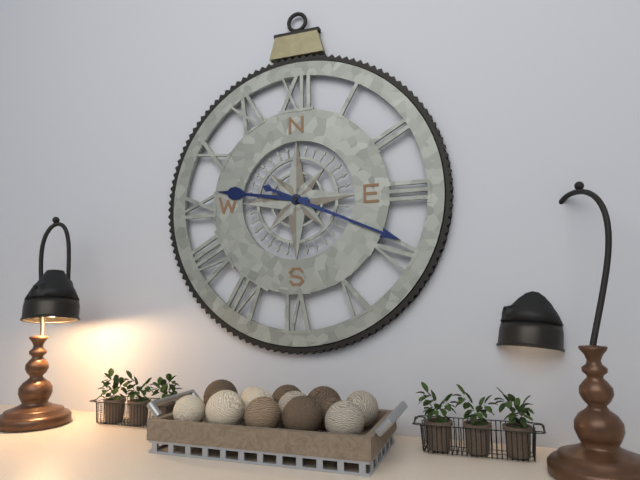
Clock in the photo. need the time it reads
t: 9:19
